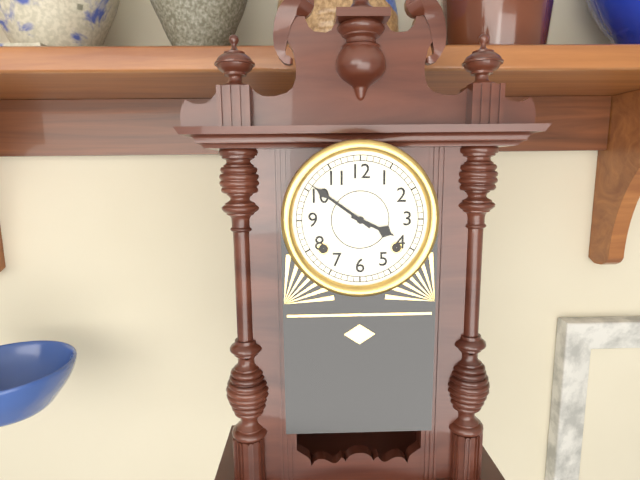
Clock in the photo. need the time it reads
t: 3:51
